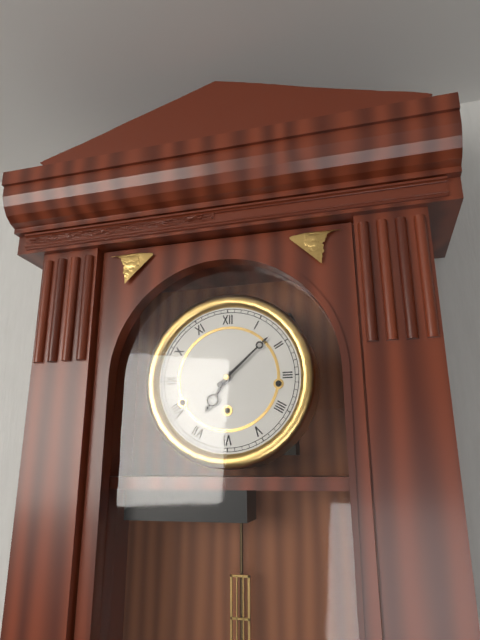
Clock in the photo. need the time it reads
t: 7:08
